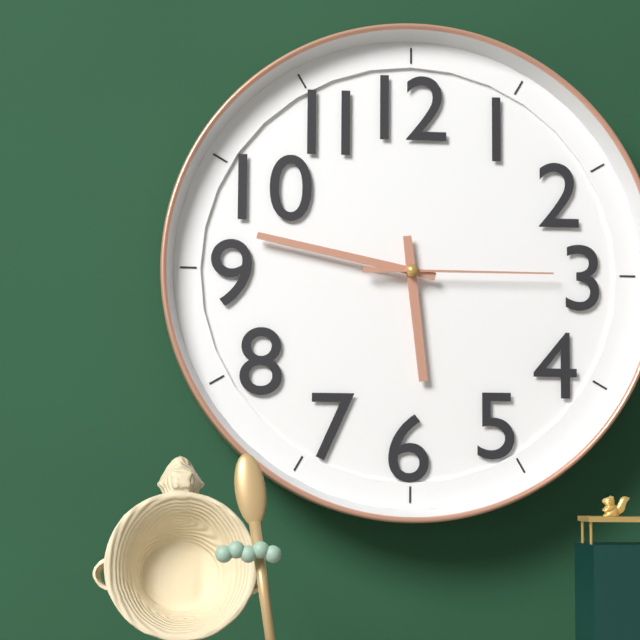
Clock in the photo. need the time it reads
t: 5:47:15
